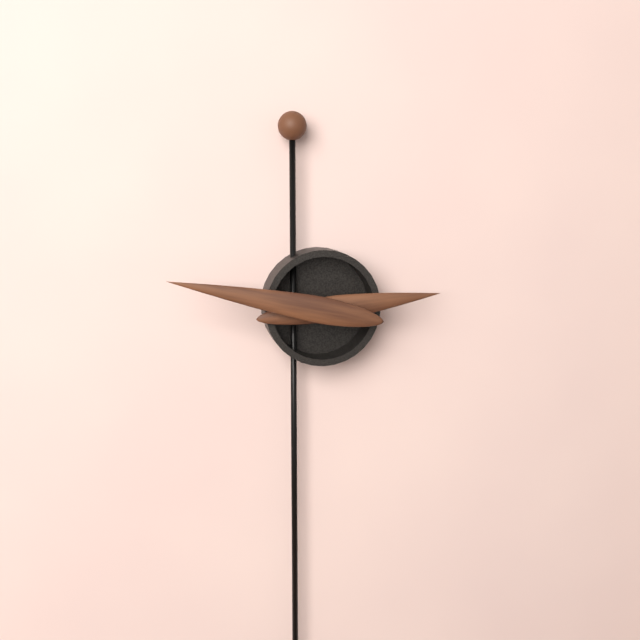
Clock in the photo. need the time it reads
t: 2:47
